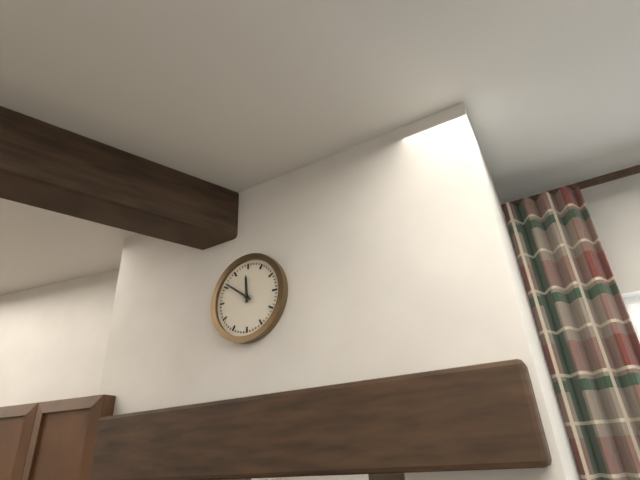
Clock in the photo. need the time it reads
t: 11:51
